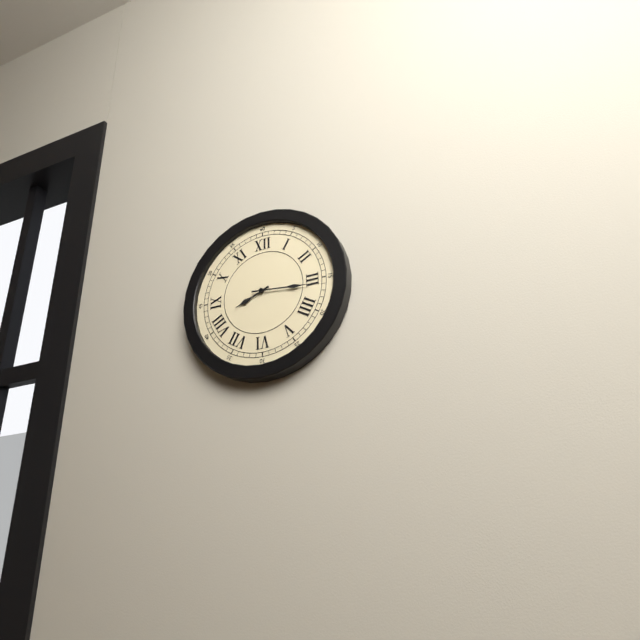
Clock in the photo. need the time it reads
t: 8:16
